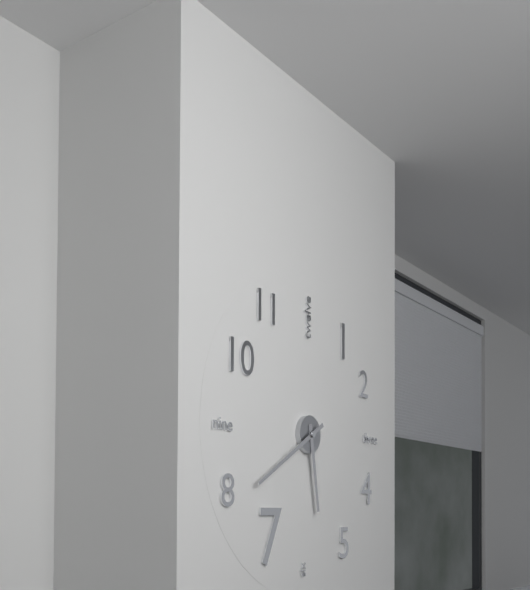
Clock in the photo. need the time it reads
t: 5:40
